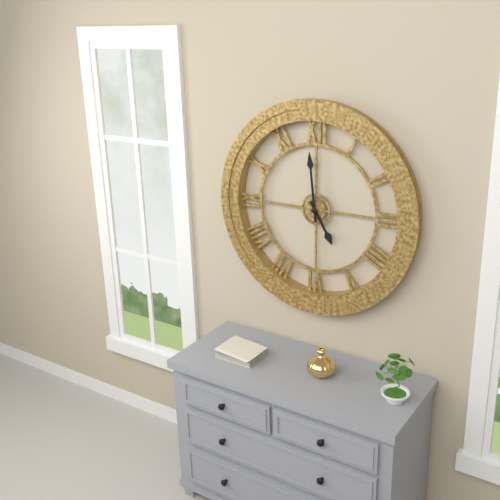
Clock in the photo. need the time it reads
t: 4:59
